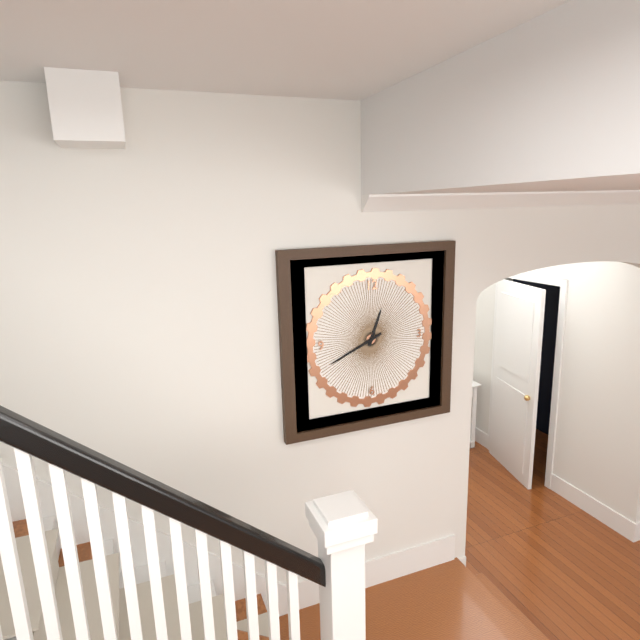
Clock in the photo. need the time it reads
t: 12:41
